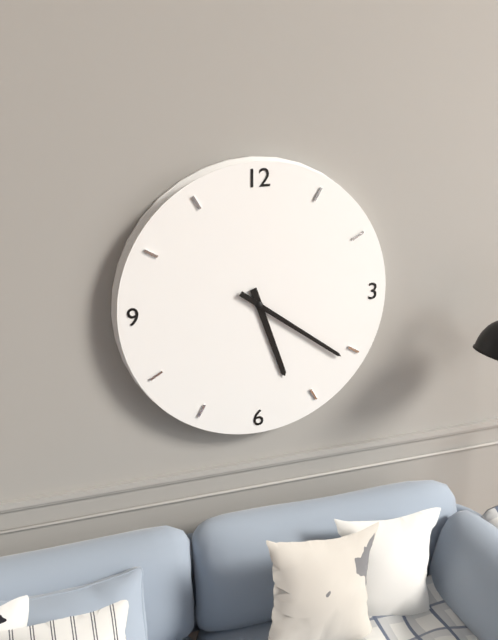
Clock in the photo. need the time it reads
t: 5:21
